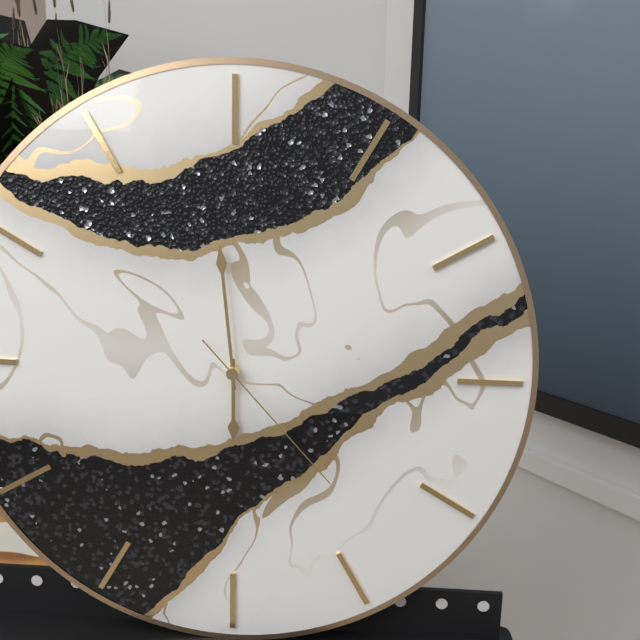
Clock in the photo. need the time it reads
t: 5:59:23
